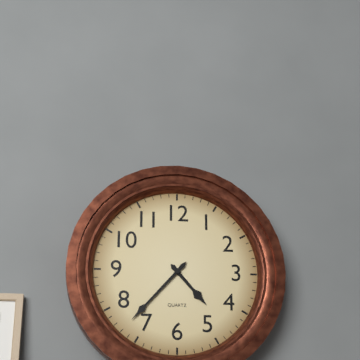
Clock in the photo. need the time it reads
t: 4:37
